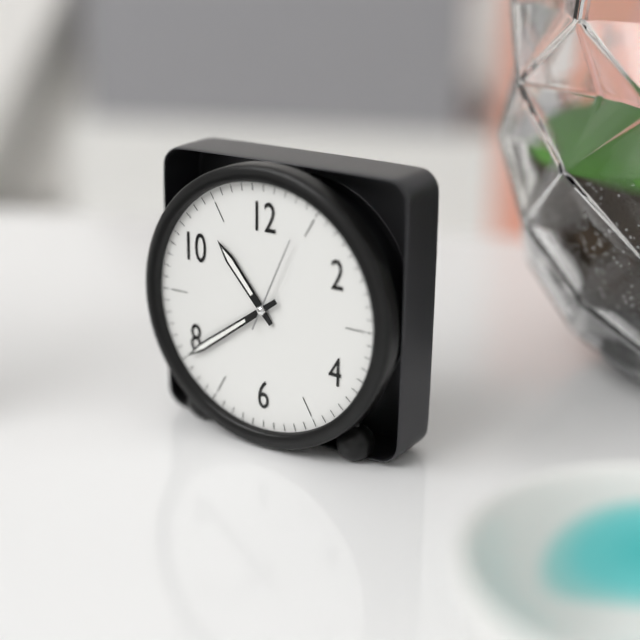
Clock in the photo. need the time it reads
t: 10:39:04
